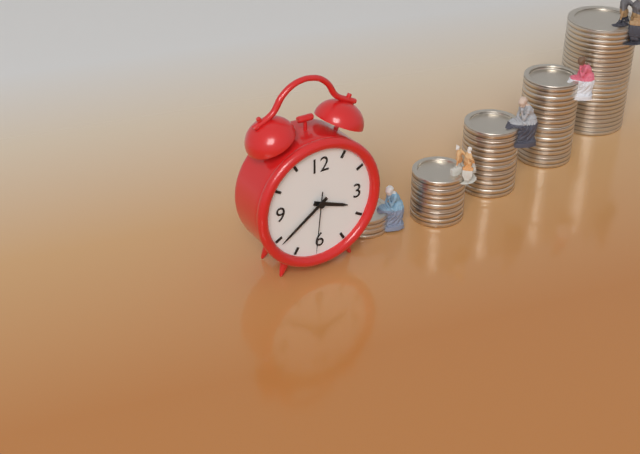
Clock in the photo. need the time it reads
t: 3:39:31
